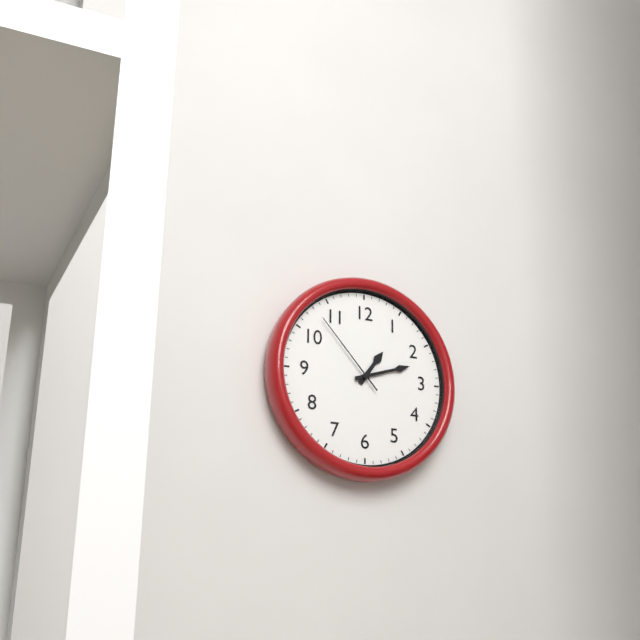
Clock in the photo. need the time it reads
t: 1:12:53
